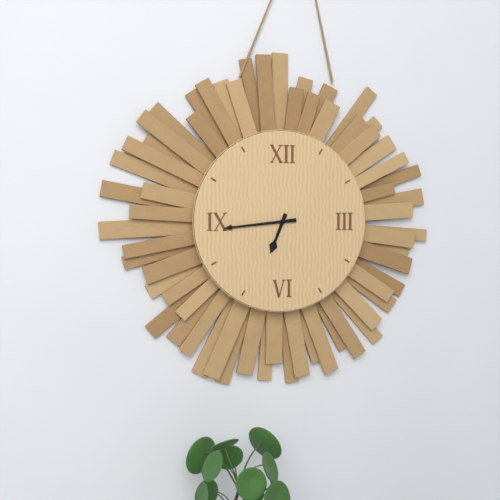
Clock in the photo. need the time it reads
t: 6:44
